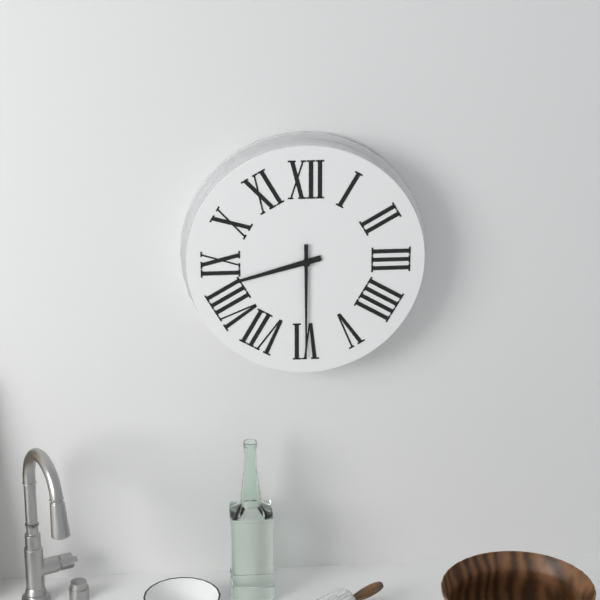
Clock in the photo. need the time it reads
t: 8:30
